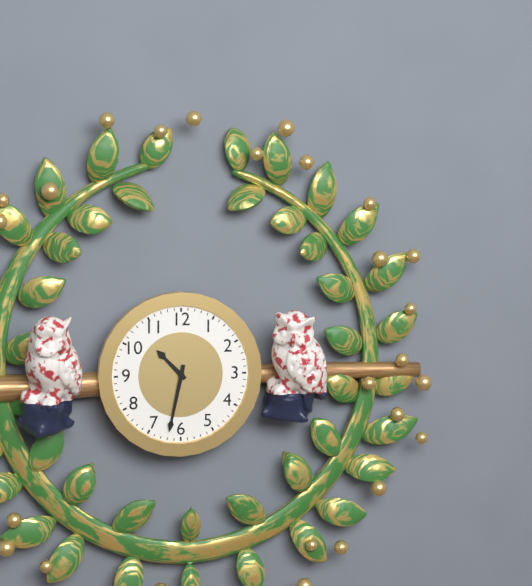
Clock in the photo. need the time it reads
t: 10:32
